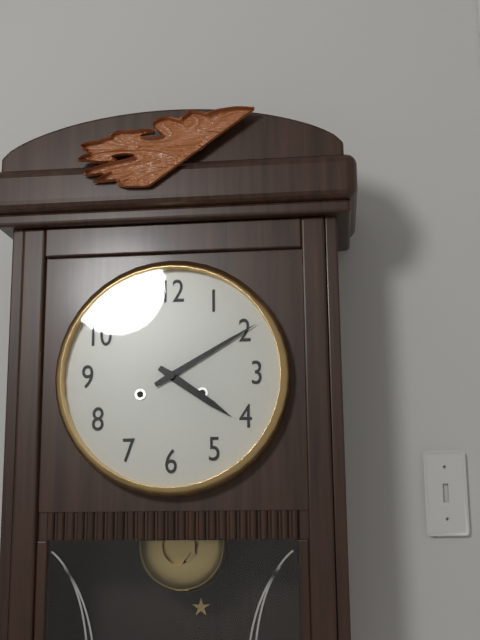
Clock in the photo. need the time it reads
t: 4:10
